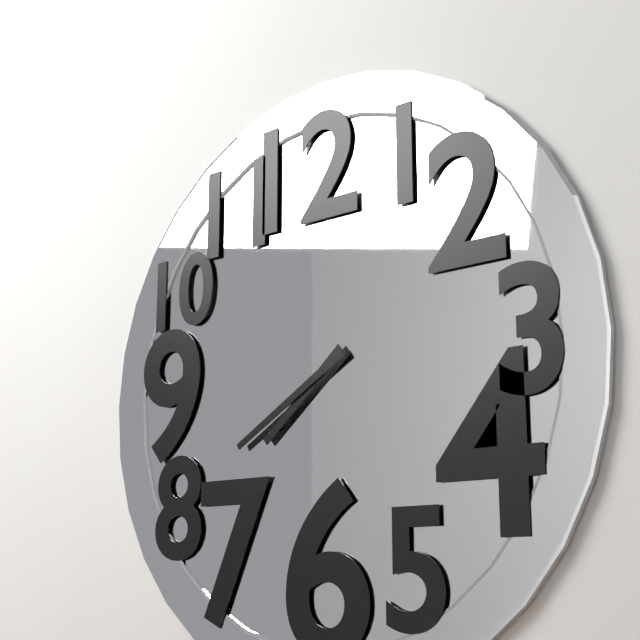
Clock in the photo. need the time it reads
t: 7:40
